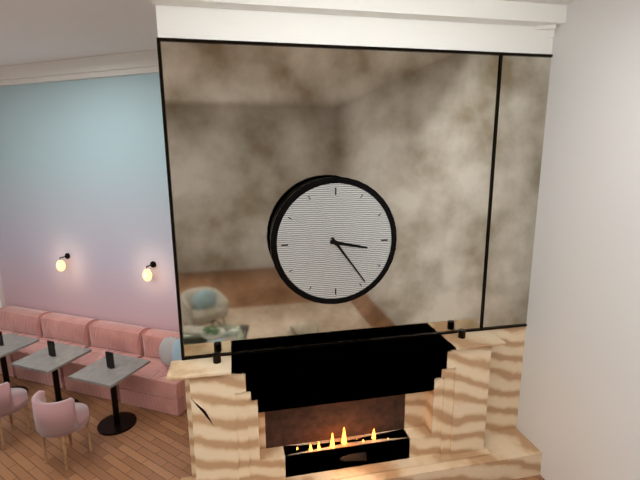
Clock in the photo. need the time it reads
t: 3:24
